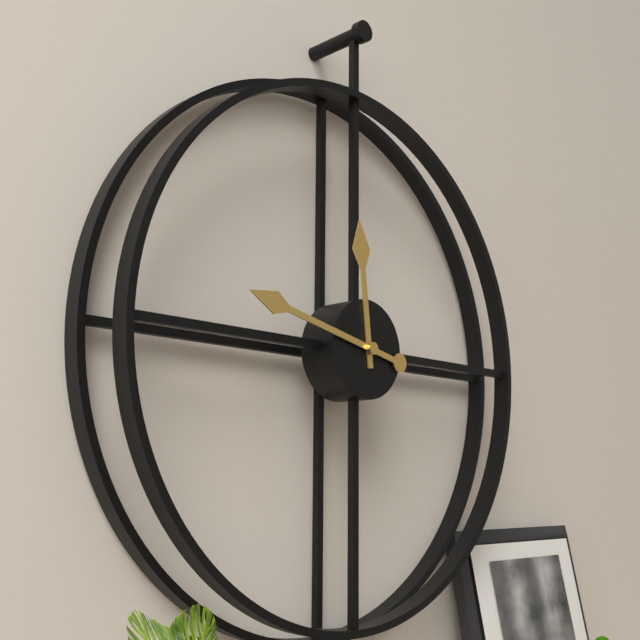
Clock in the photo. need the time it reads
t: 11:47
